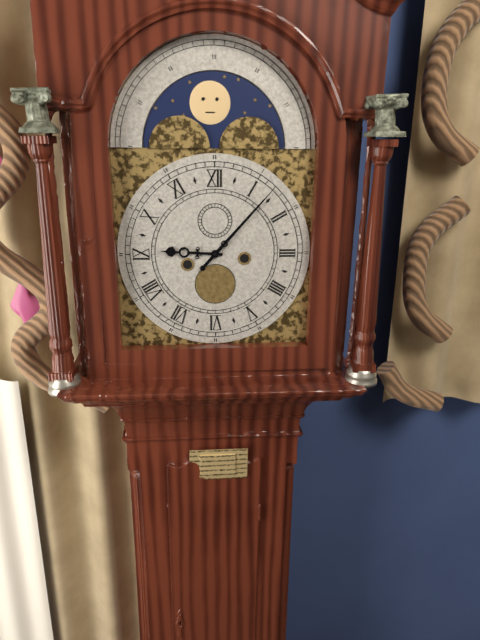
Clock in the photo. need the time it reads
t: 9:07
